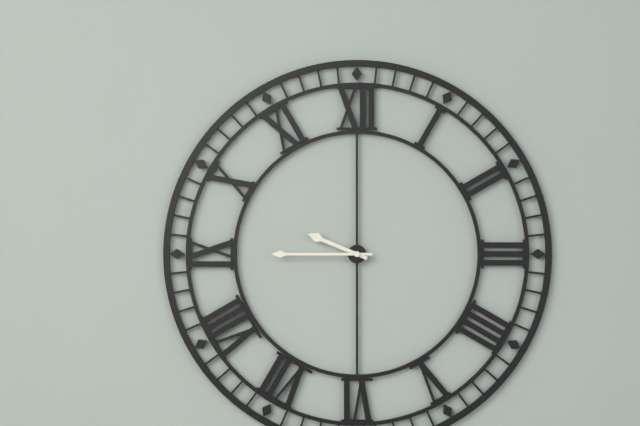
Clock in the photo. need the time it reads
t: 9:45
